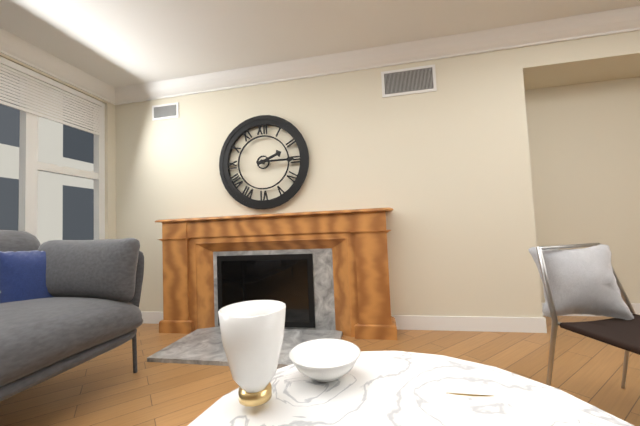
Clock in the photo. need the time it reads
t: 2:15
